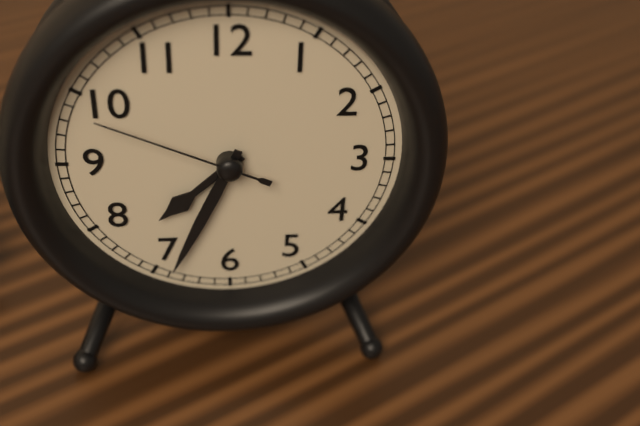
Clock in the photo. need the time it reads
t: 7:34:49
